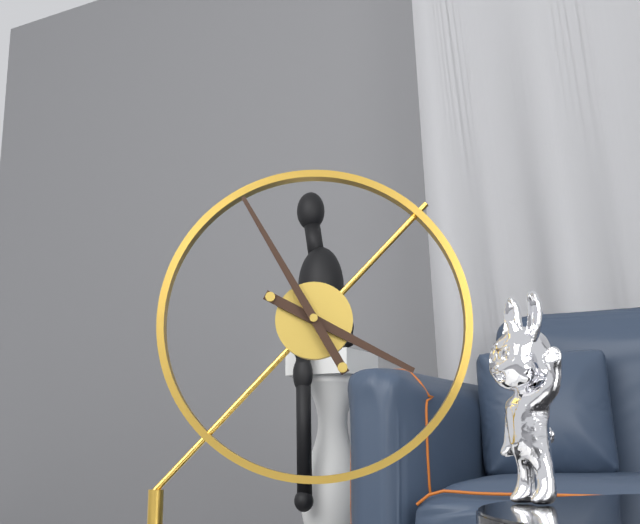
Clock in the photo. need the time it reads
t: 3:55
